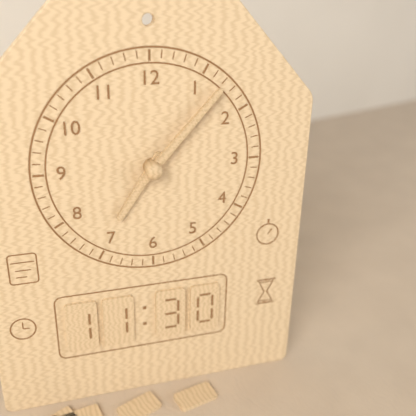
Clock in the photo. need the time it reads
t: 7:07
